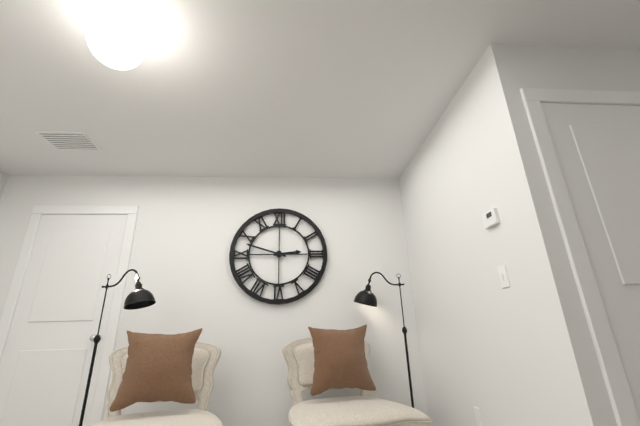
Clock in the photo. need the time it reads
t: 2:48
